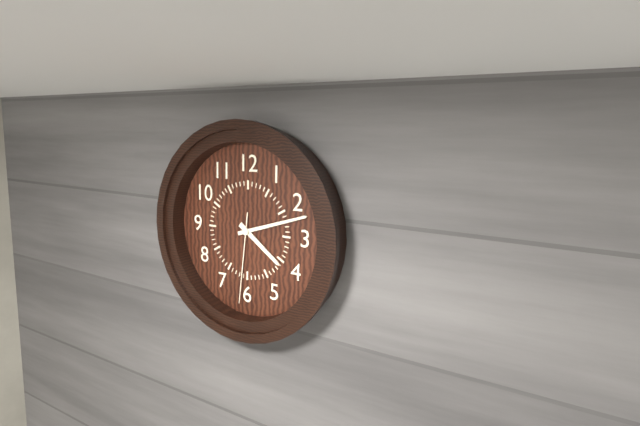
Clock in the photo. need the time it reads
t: 4:12:31
